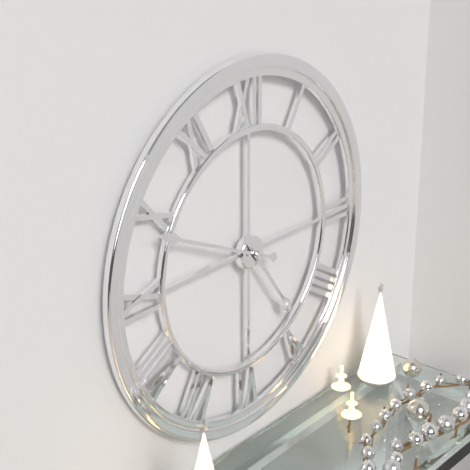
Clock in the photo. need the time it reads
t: 4:49
